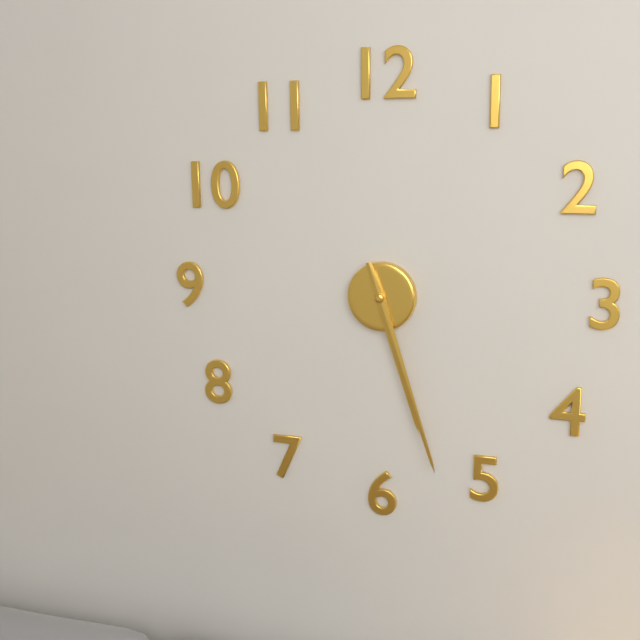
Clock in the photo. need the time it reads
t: 5:27
